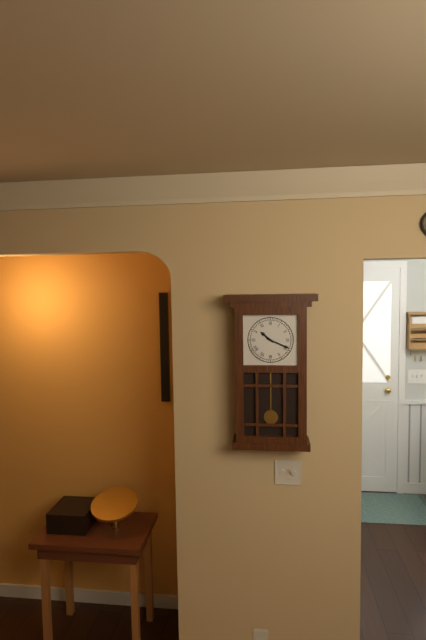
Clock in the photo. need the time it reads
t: 10:19
